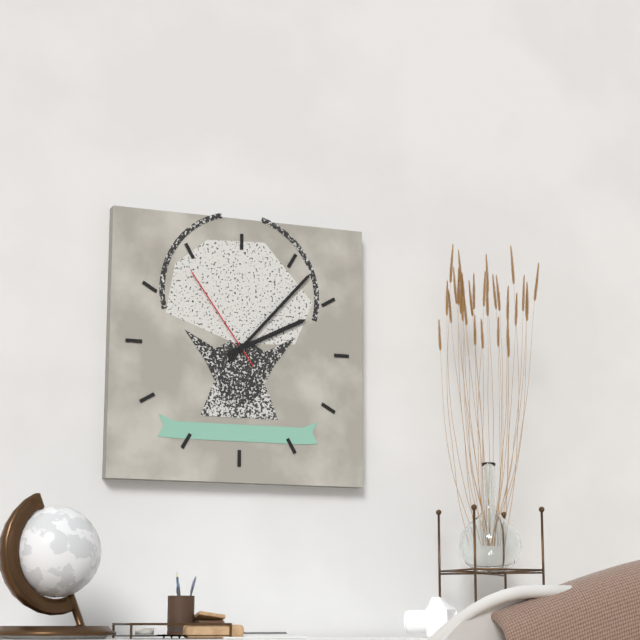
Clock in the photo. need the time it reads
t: 2:07:54
